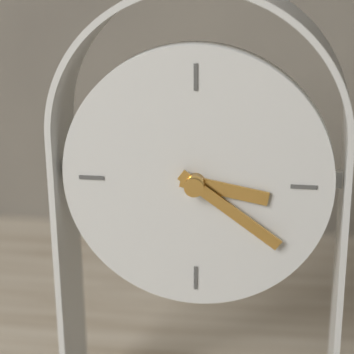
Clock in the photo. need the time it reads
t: 3:21
